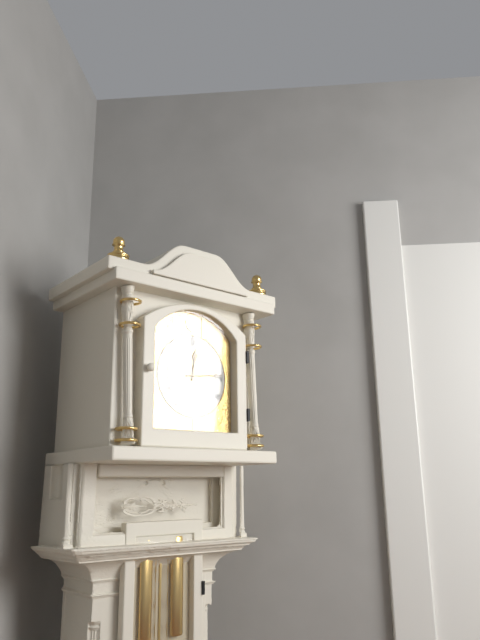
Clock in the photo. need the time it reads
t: 12:14
